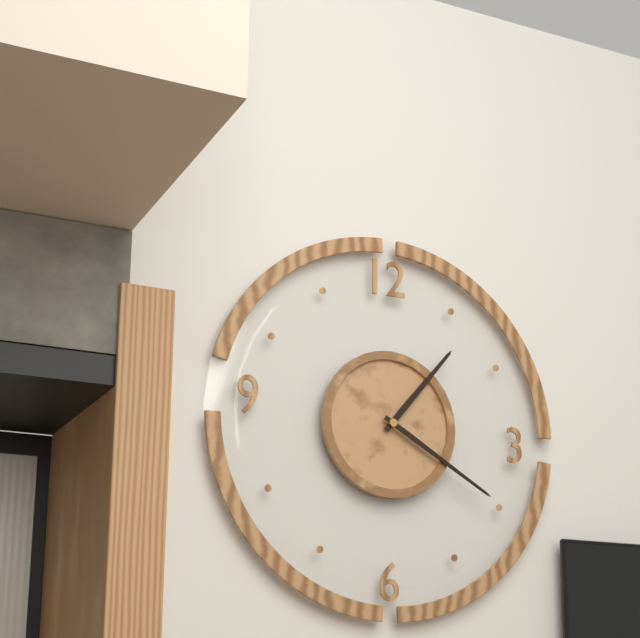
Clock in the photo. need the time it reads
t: 1:20
